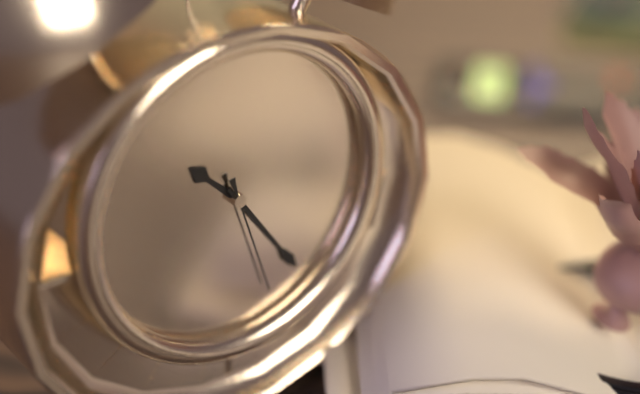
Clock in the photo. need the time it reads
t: 10:24:27
